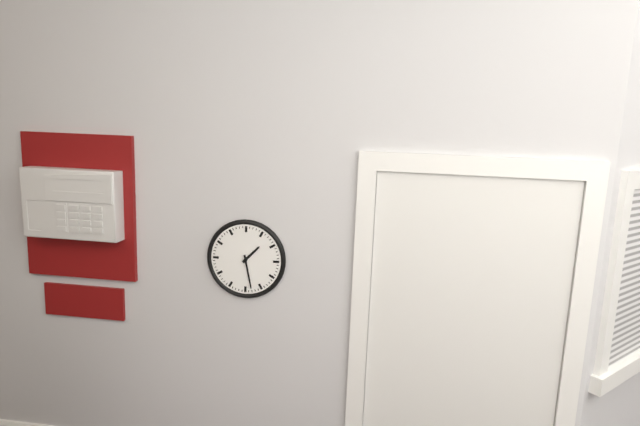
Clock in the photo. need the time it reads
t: 1:28
